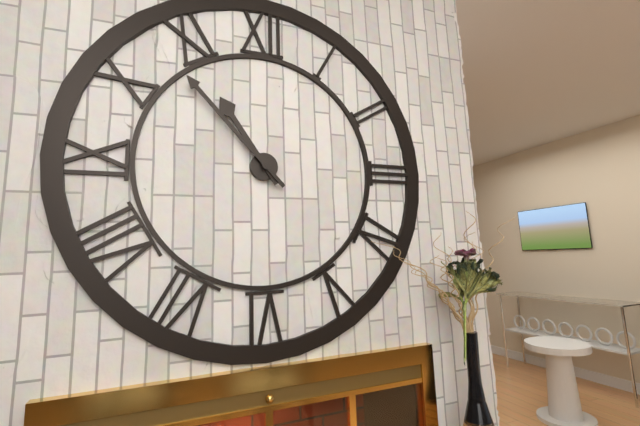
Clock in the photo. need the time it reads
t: 10:53
